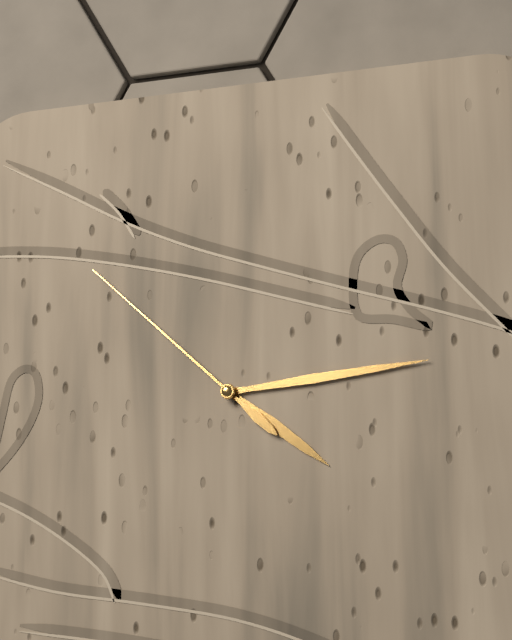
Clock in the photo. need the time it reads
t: 4:14:52
